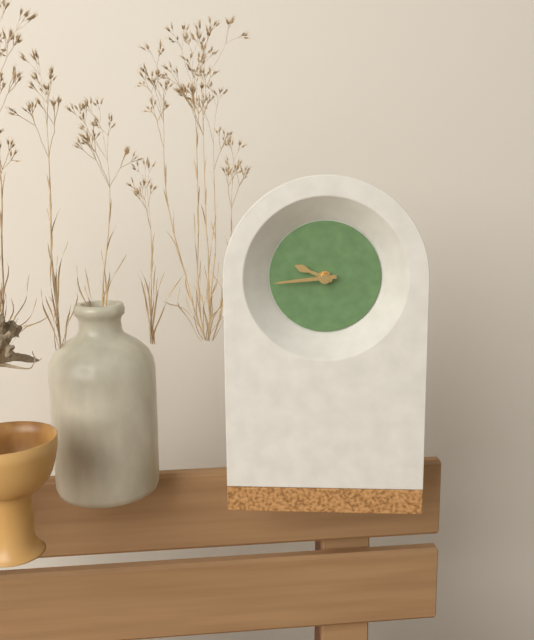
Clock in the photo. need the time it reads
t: 9:44
